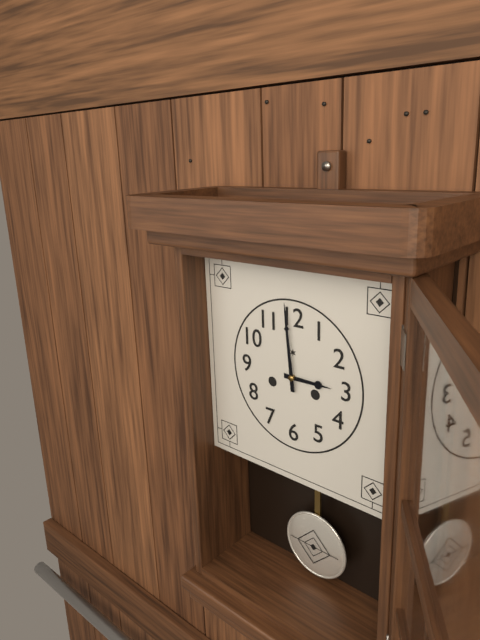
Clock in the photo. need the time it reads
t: 2:59
